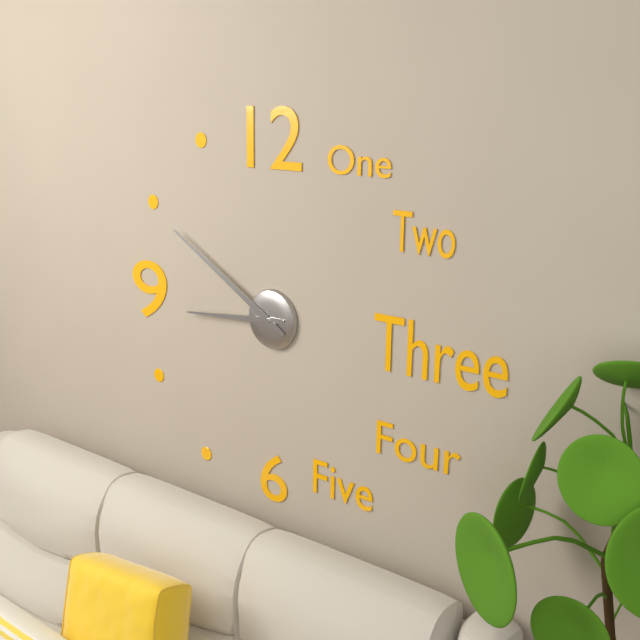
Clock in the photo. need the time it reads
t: 8:50
